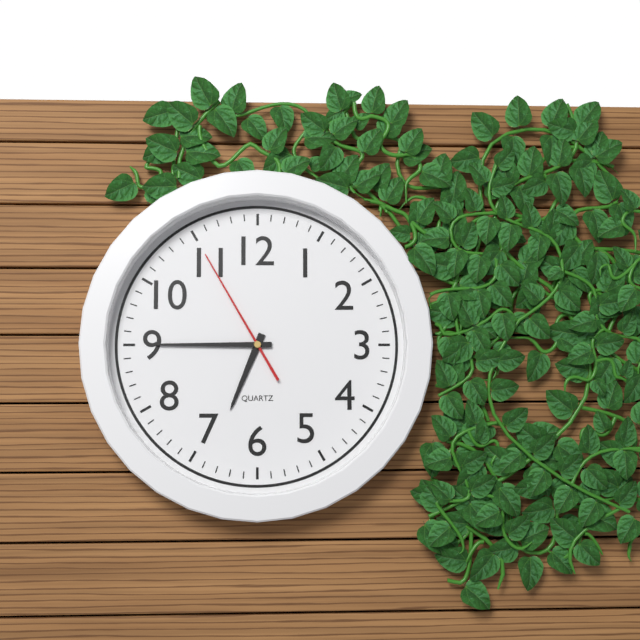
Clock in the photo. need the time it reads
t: 6:45:55
